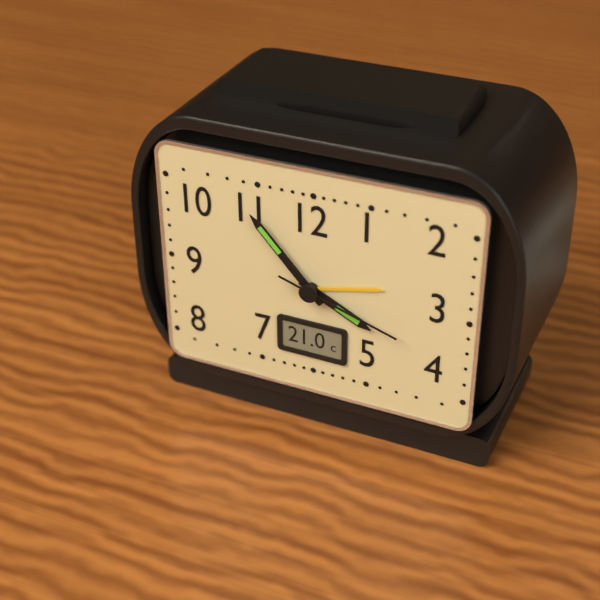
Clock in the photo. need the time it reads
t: 3:53:18
